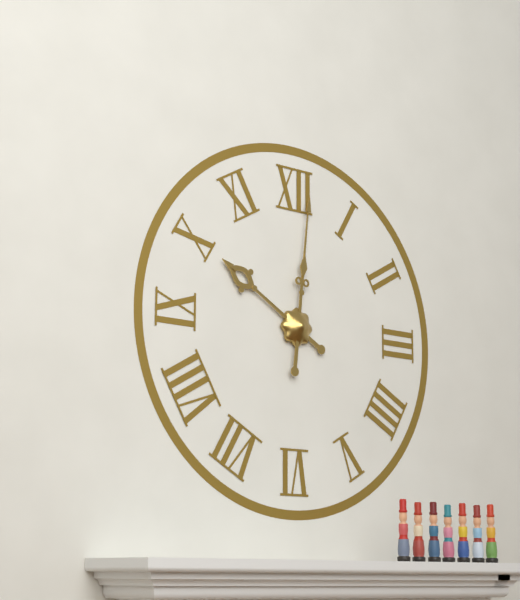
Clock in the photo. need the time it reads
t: 10:01
